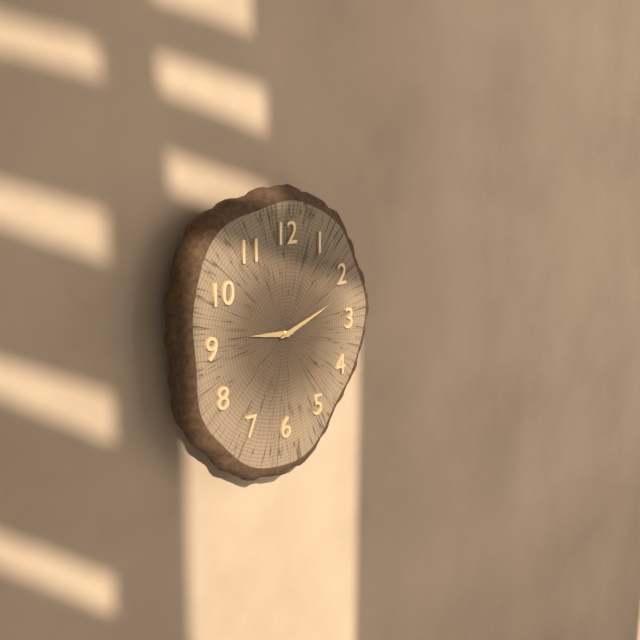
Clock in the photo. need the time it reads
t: 9:12
